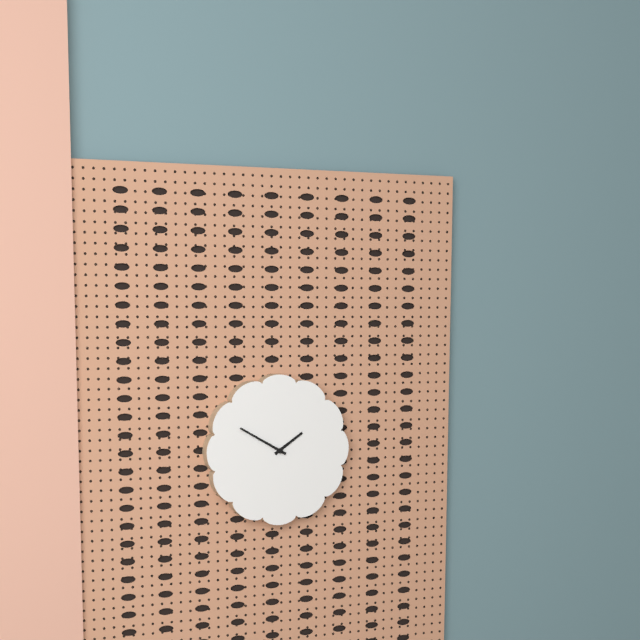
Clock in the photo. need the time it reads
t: 1:50
